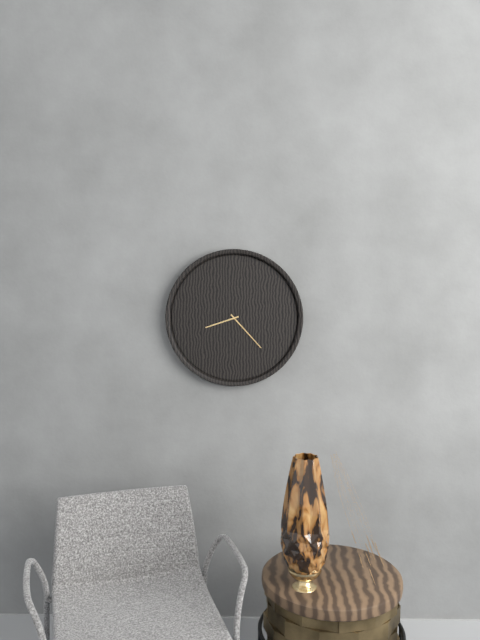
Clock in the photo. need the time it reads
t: 8:23
